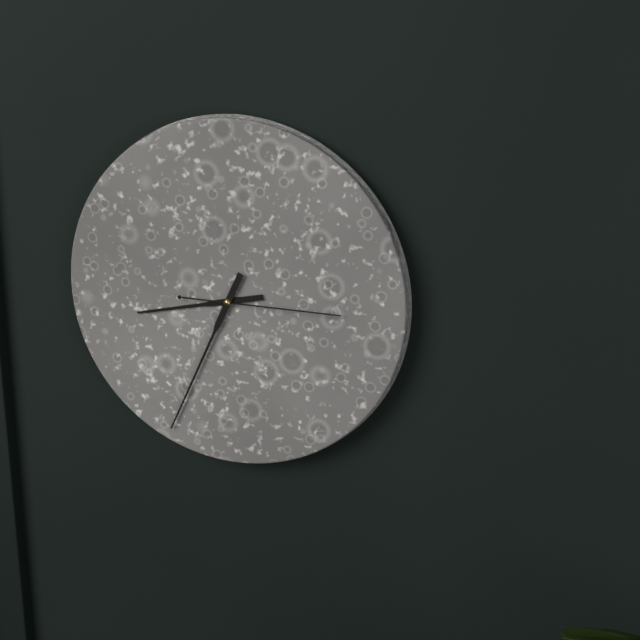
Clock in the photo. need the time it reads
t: 8:34:15
